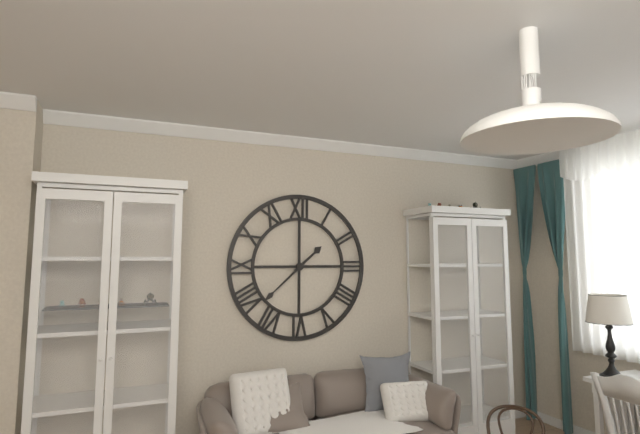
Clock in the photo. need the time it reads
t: 1:38
